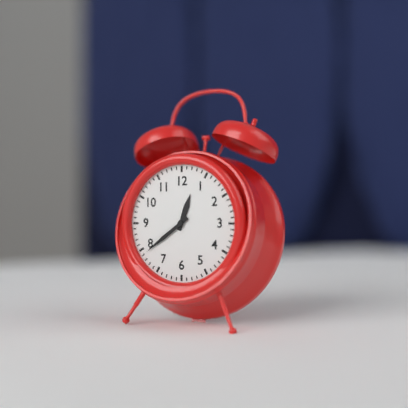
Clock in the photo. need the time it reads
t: 12:39
